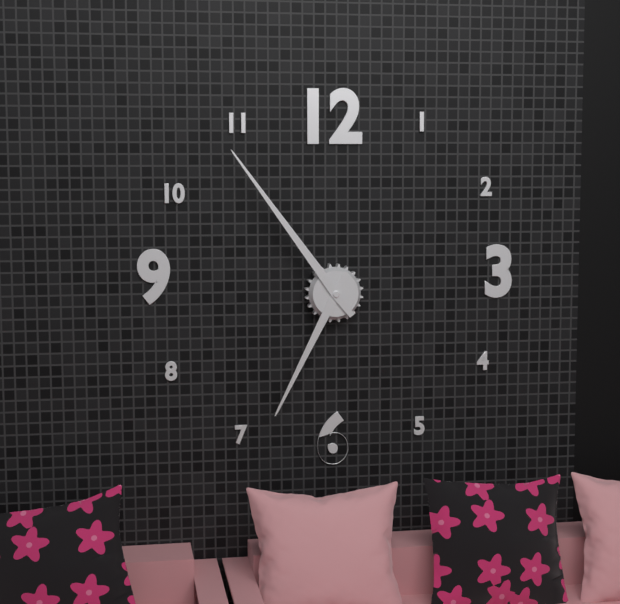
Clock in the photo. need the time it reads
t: 6:54
